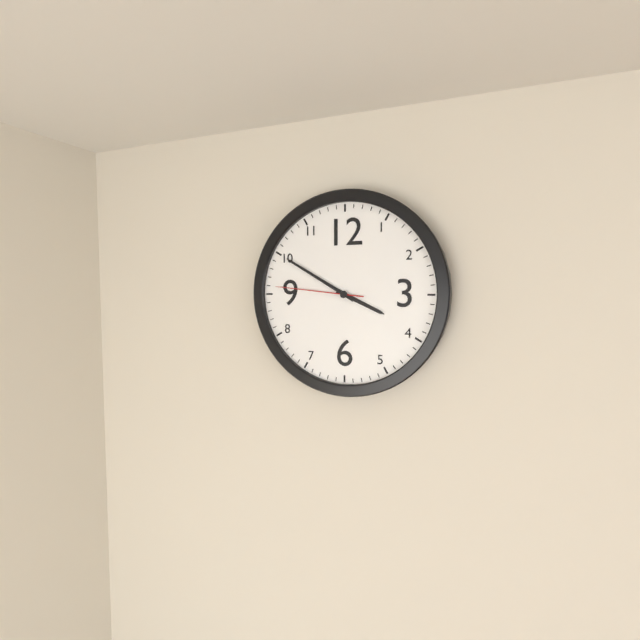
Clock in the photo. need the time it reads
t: 3:50:46
